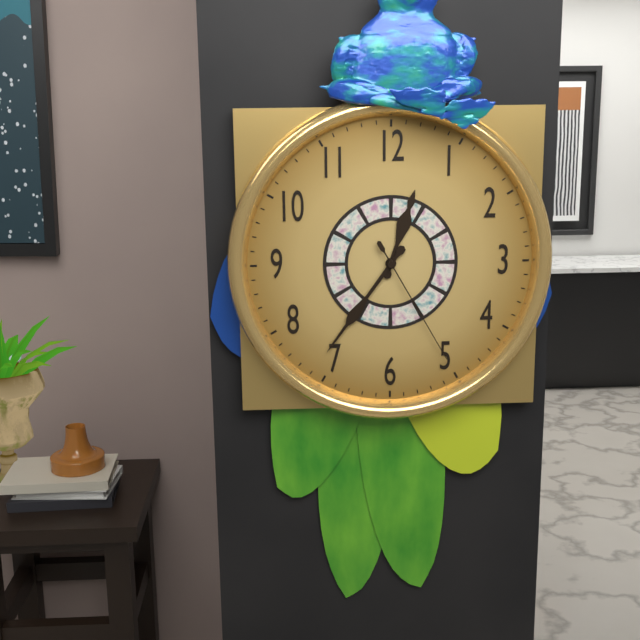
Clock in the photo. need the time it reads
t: 12:36:25
